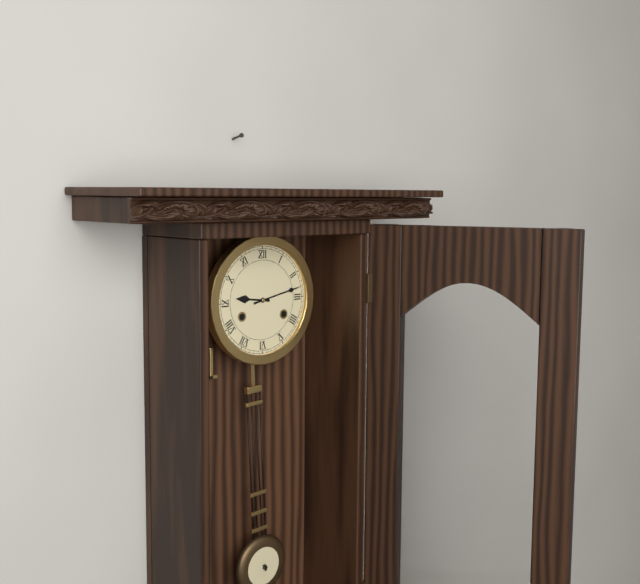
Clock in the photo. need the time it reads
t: 9:13
